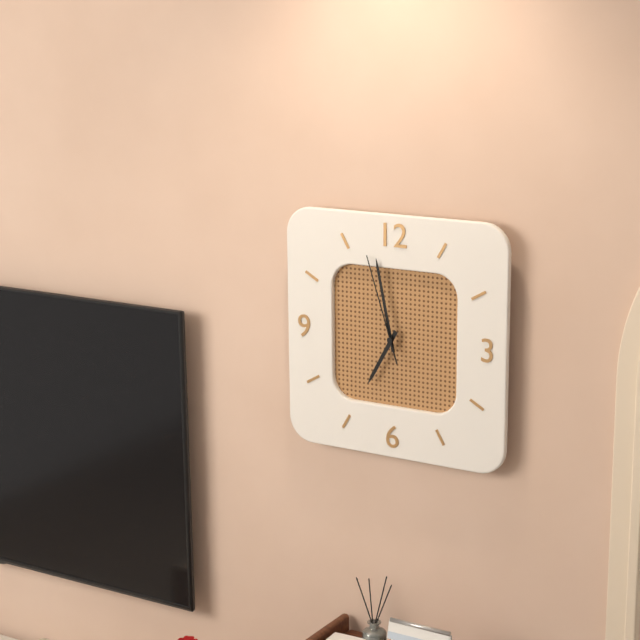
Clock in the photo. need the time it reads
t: 6:58:57
